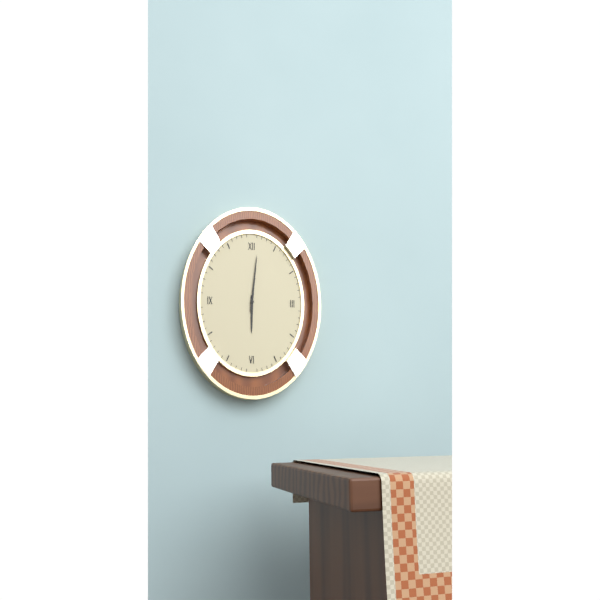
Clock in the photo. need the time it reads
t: 6:01
